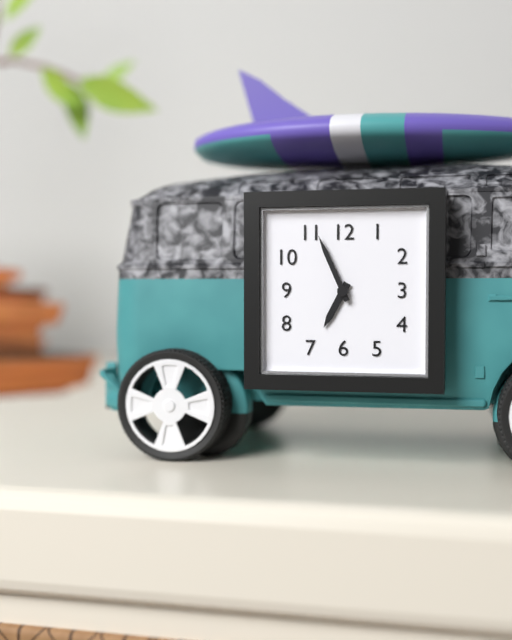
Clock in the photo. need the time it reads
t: 6:56
